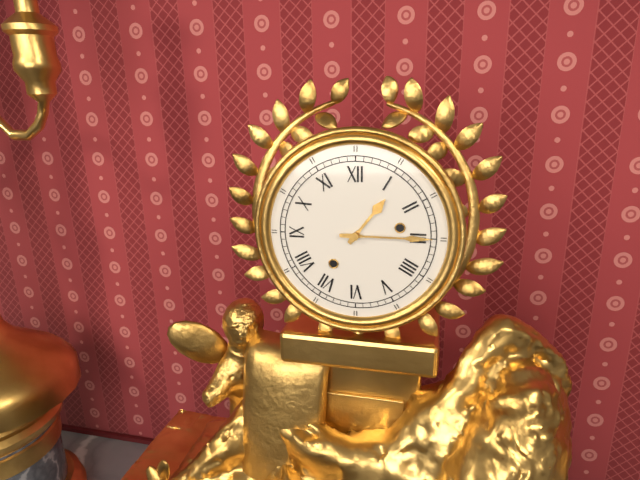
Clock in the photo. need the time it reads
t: 1:15
